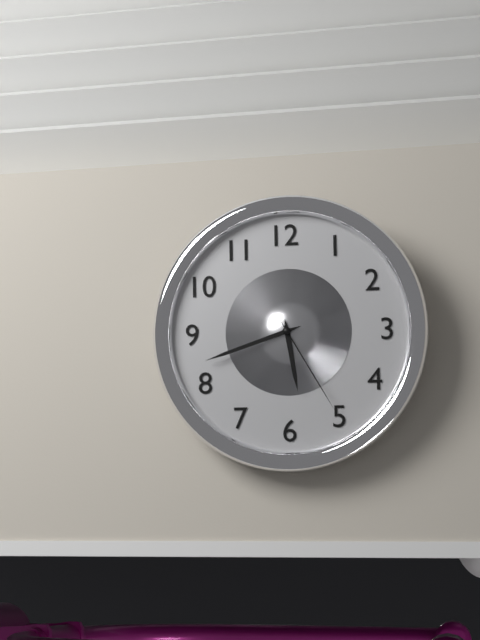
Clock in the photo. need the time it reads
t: 5:42:25
